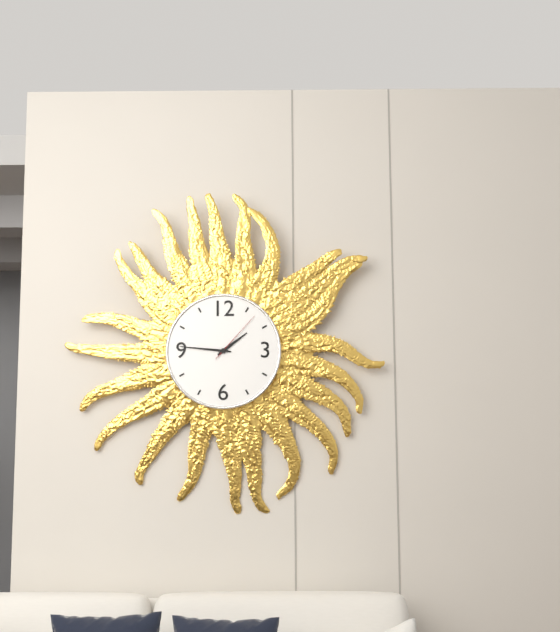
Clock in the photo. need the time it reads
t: 1:46:07
